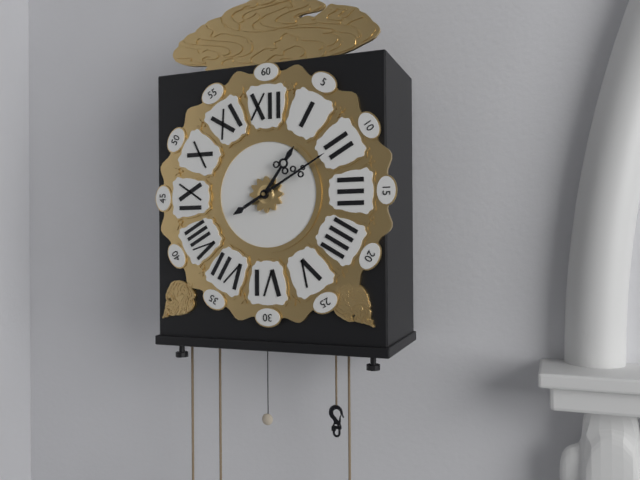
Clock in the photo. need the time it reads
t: 1:10
